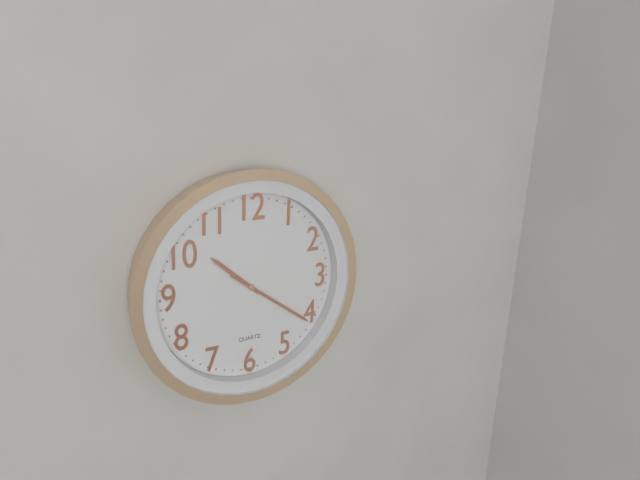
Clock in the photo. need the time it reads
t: 10:21:21
